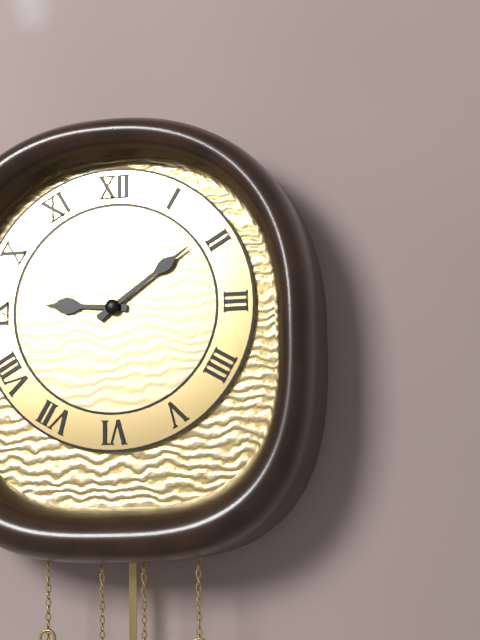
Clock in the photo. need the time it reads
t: 9:09
